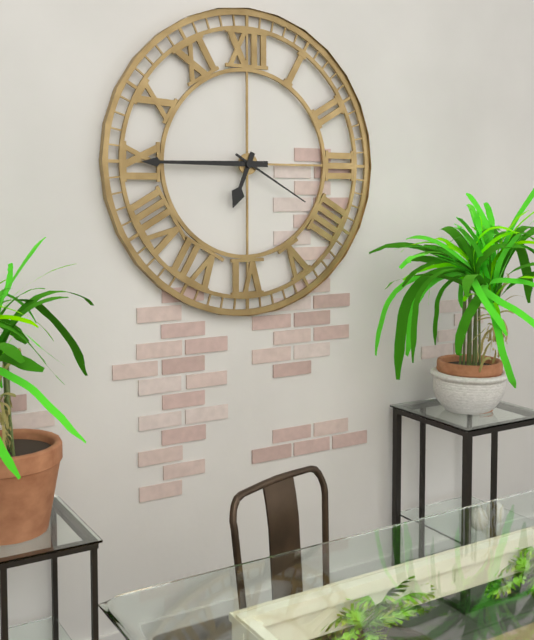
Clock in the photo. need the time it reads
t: 6:45:20
